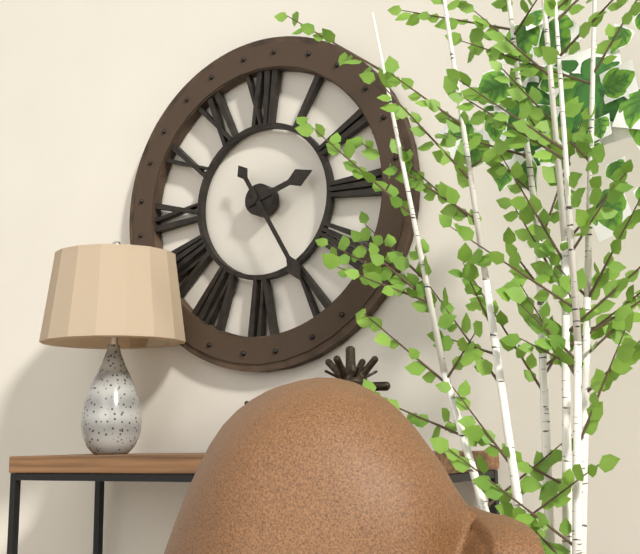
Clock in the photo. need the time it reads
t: 2:25
